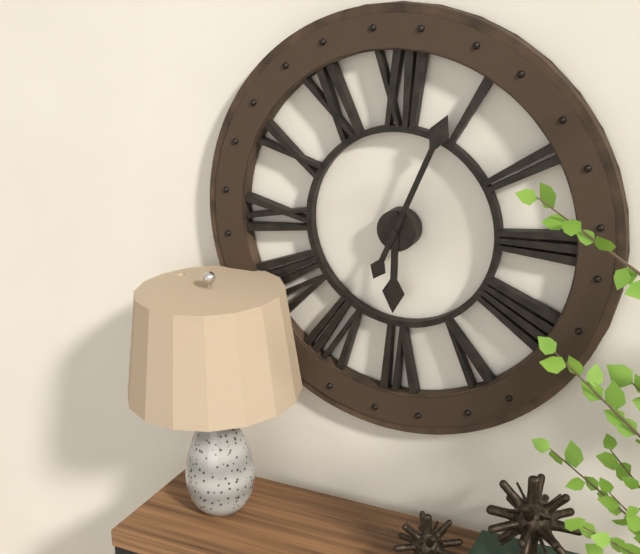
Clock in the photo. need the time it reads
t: 6:04
